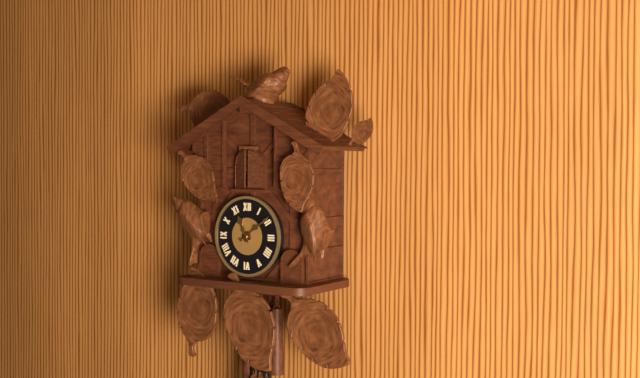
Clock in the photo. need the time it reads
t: 11:09
